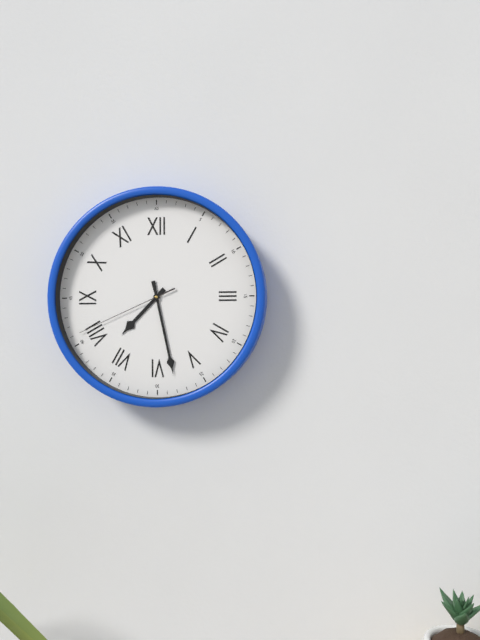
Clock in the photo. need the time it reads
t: 7:28:41
